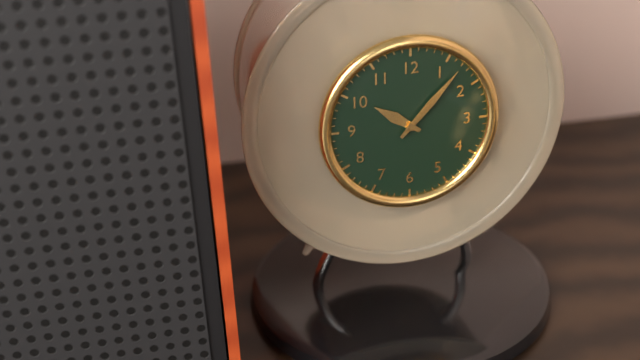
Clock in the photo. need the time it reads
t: 10:07
